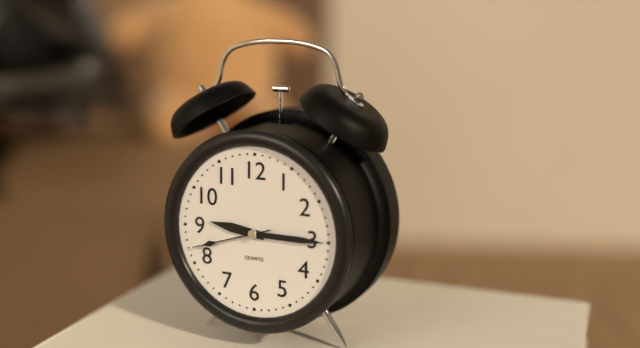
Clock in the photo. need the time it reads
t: 9:15:42
